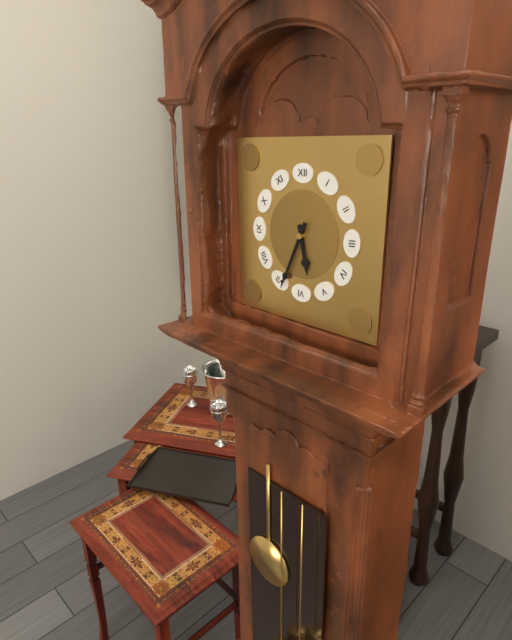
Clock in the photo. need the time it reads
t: 5:34
